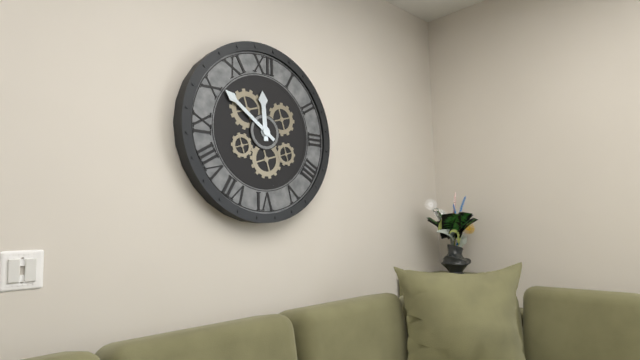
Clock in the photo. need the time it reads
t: 11:51
